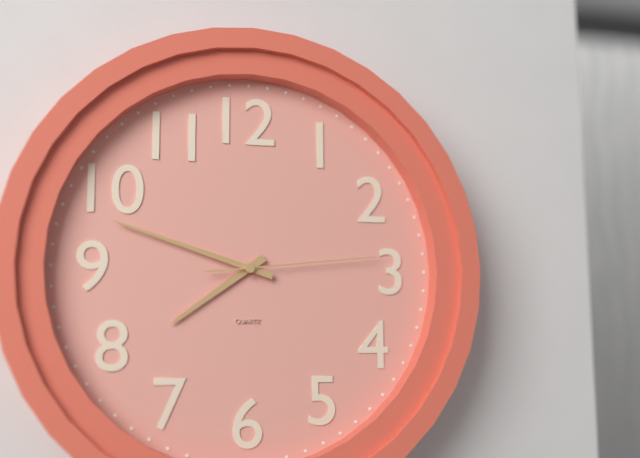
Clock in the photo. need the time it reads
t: 7:48:14
